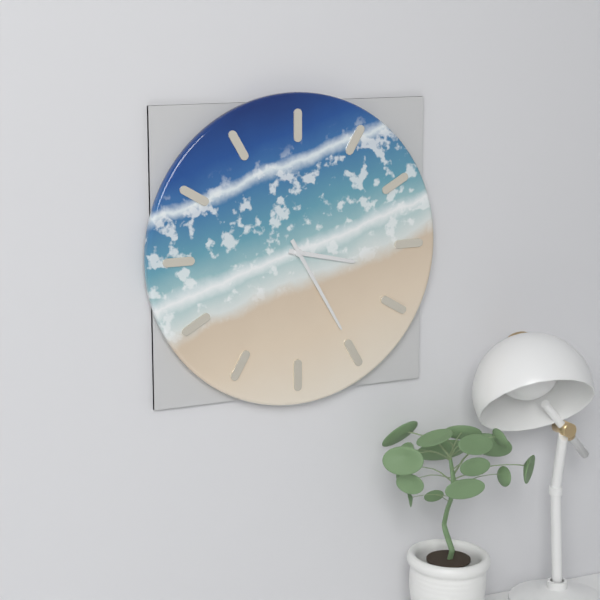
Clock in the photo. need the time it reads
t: 3:25
